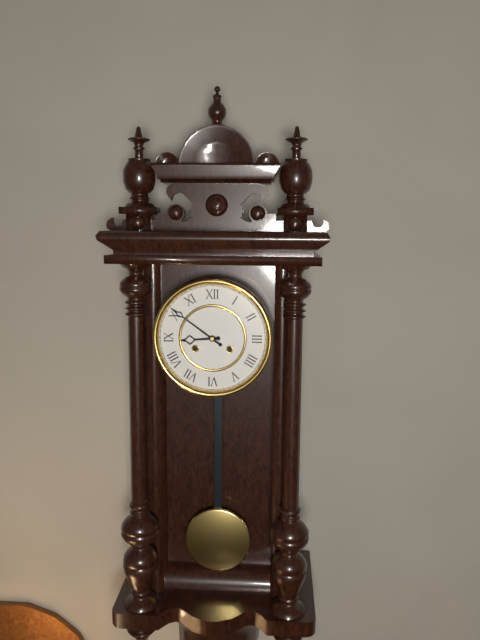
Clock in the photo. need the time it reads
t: 8:51
